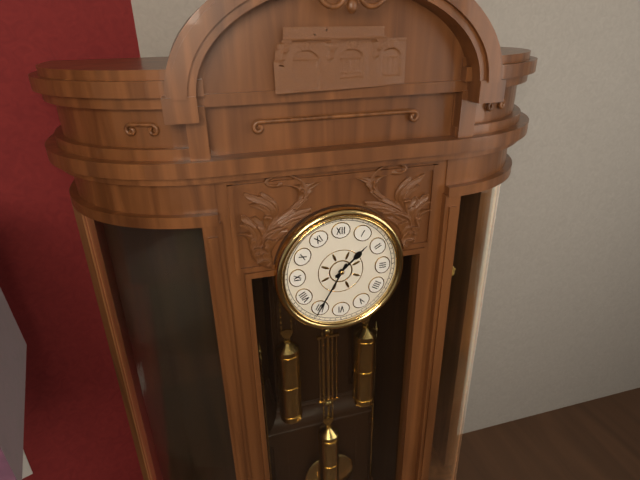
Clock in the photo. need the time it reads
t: 1:35
